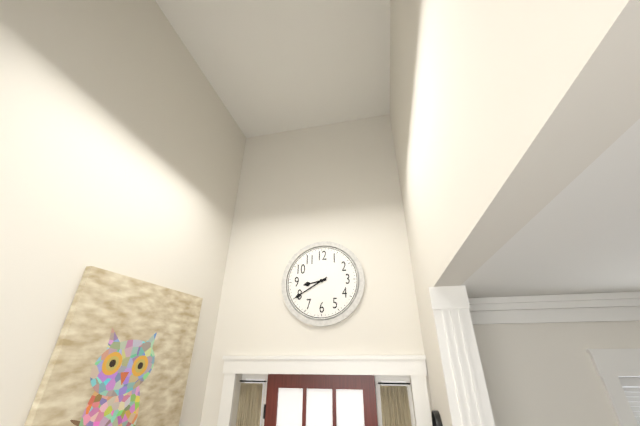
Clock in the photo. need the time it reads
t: 8:40
